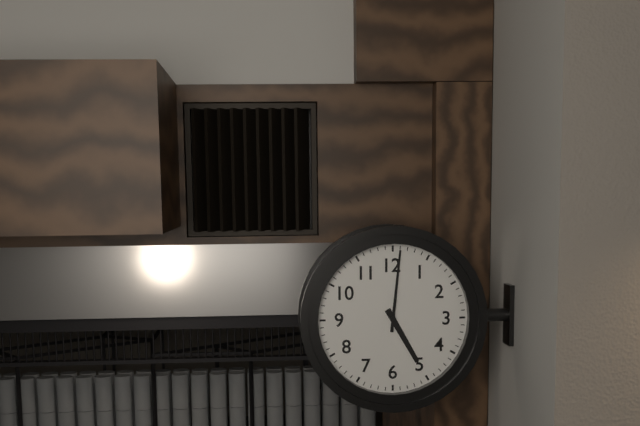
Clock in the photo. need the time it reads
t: 5:01
